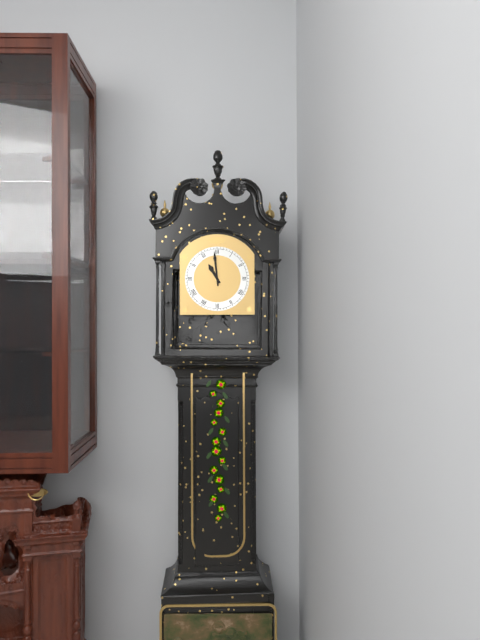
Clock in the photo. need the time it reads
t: 10:59
